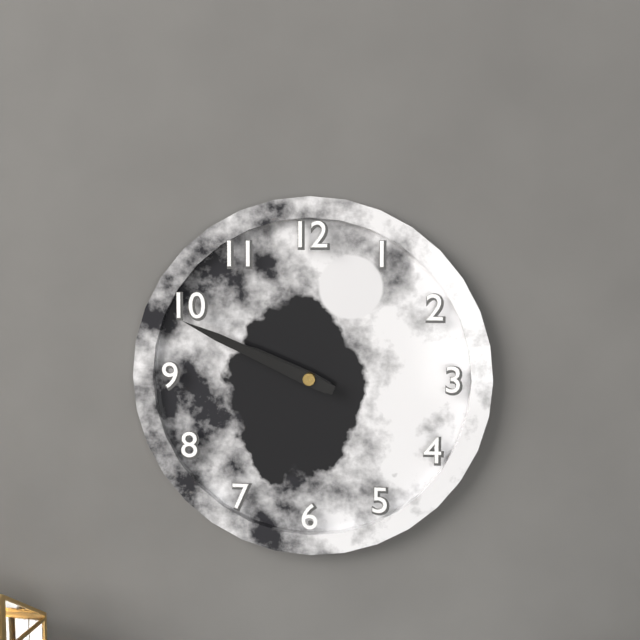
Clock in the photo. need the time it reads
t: 9:49
